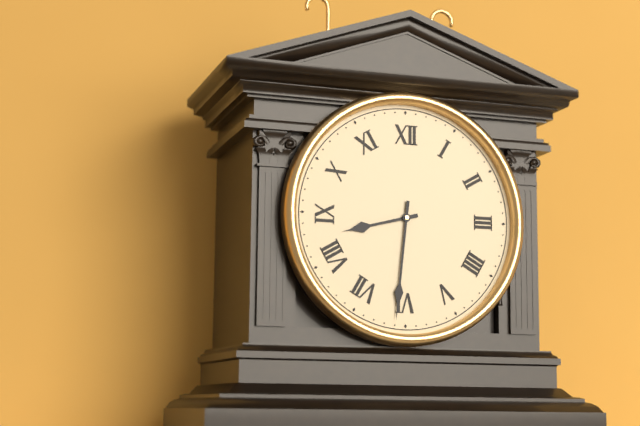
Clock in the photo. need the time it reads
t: 8:31
